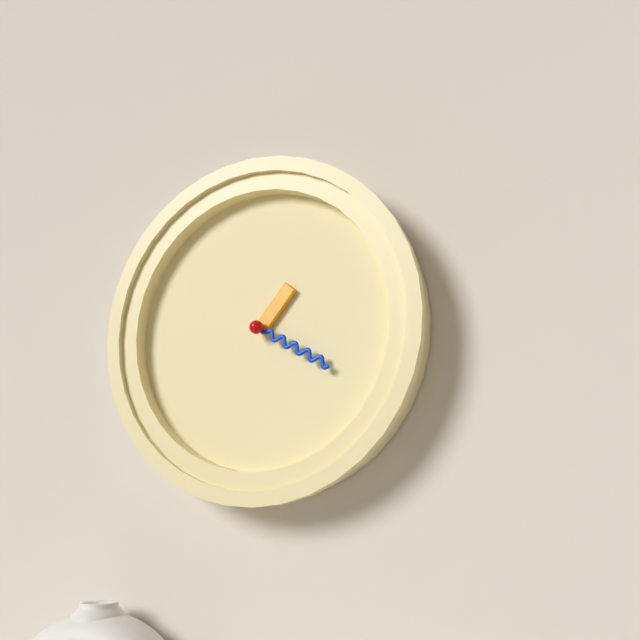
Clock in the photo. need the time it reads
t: 1:20
